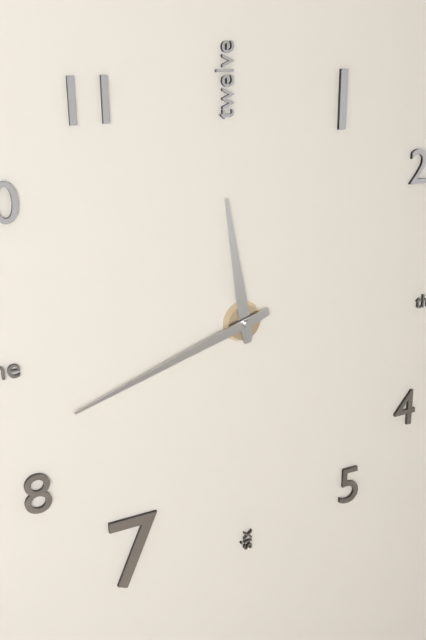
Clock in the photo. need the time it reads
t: 11:42
